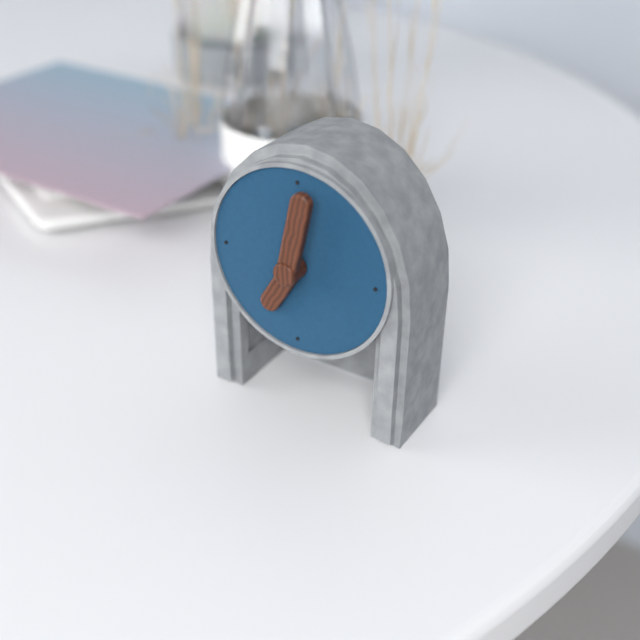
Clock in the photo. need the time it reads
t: 7:02
